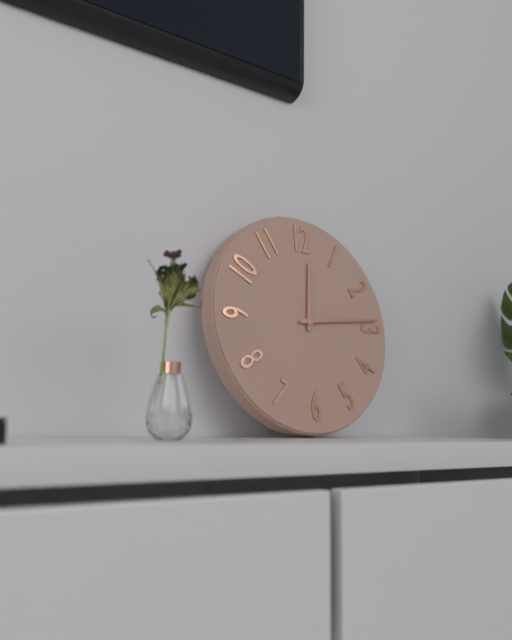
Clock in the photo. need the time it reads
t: 12:14
